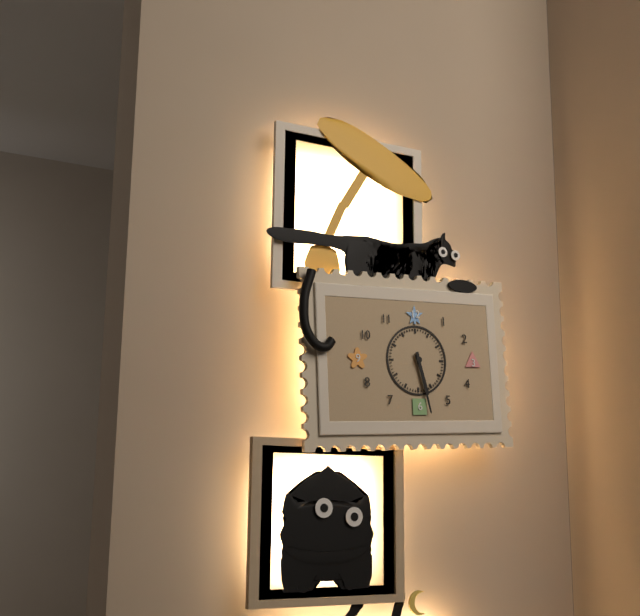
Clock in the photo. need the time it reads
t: 5:28
